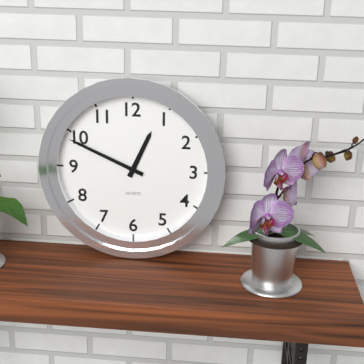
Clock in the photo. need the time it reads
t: 12:49
